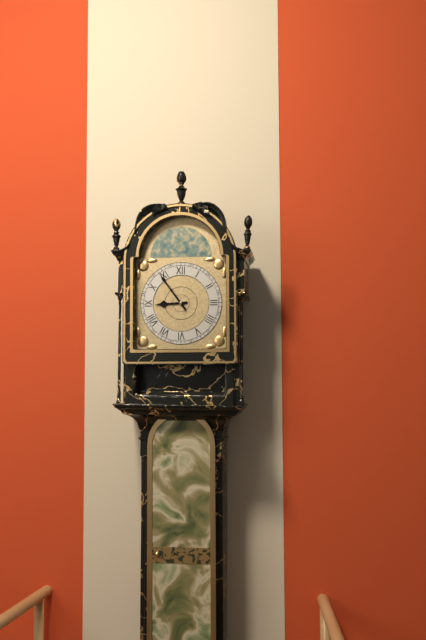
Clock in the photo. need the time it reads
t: 8:54
